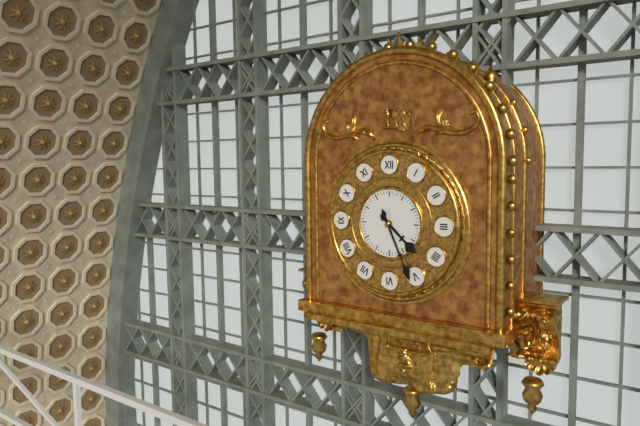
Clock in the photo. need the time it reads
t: 4:26
